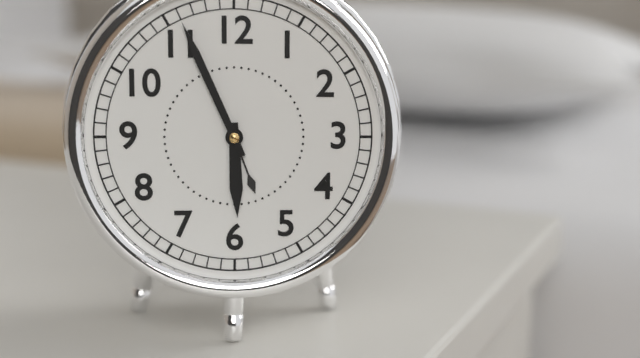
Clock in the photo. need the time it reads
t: 5:56
